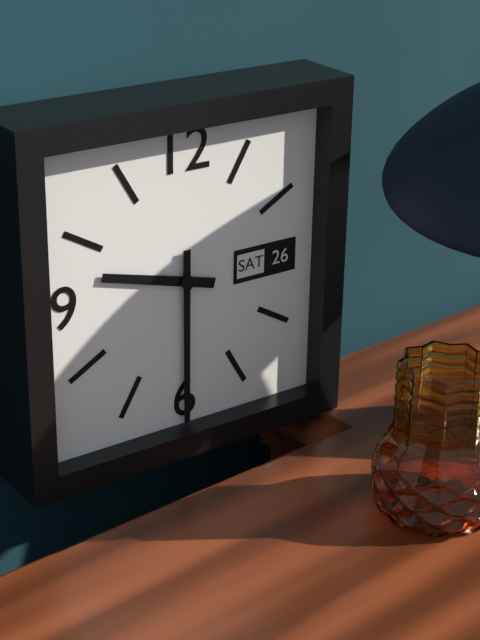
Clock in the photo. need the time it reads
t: 9:30
